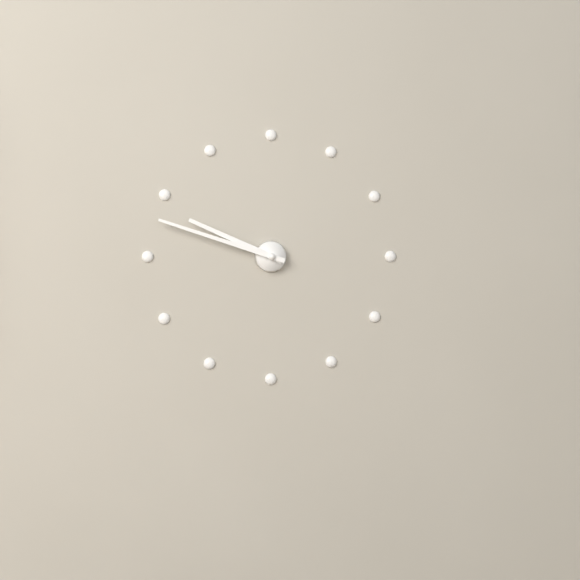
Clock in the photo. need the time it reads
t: 9:48
